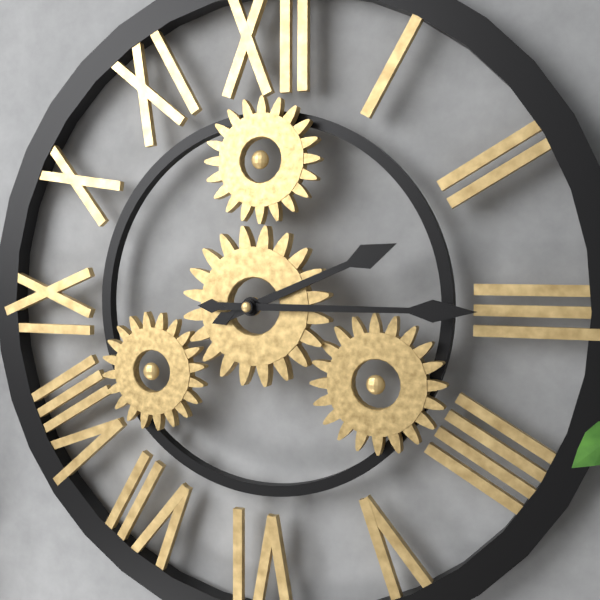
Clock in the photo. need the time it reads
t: 2:15
